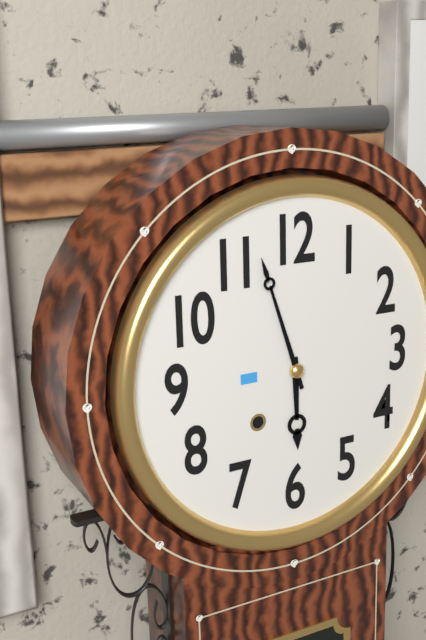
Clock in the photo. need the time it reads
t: 5:57
